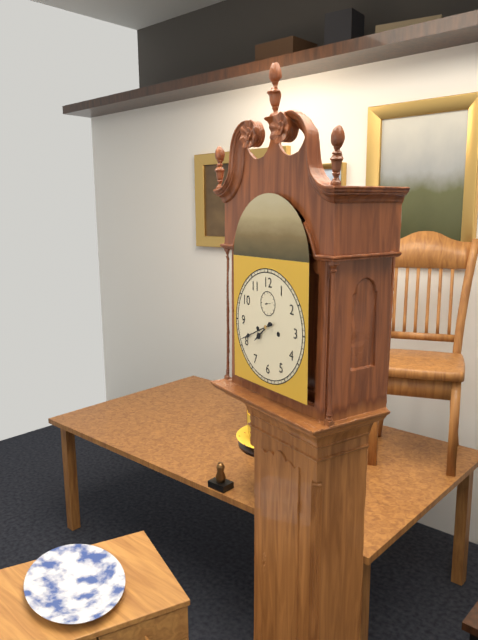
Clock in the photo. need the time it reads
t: 7:41
